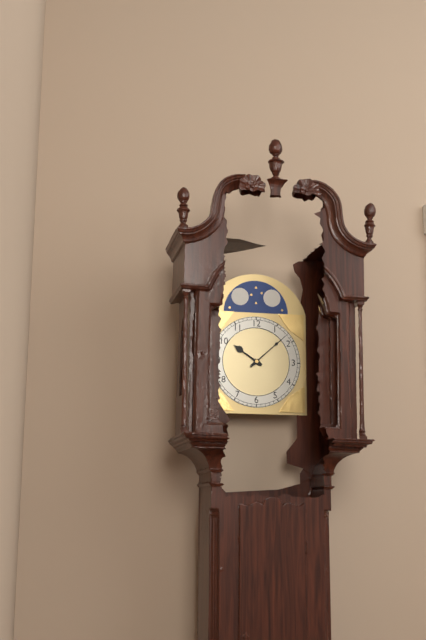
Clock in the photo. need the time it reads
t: 10:08
